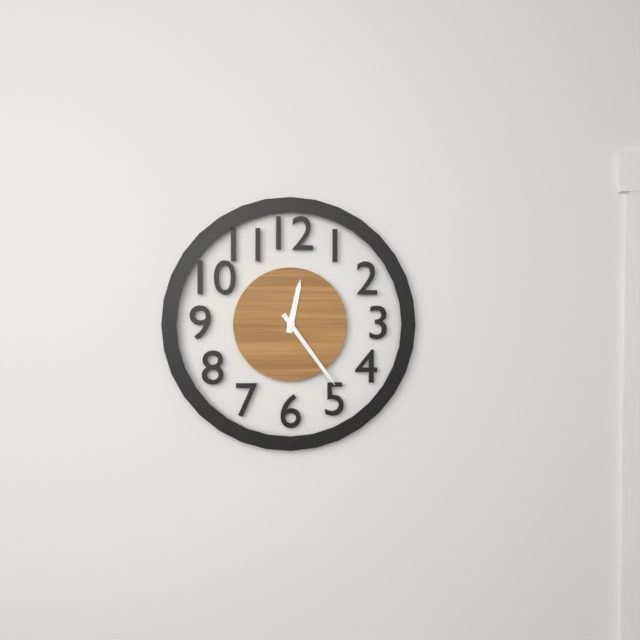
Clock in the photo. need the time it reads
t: 12:24
